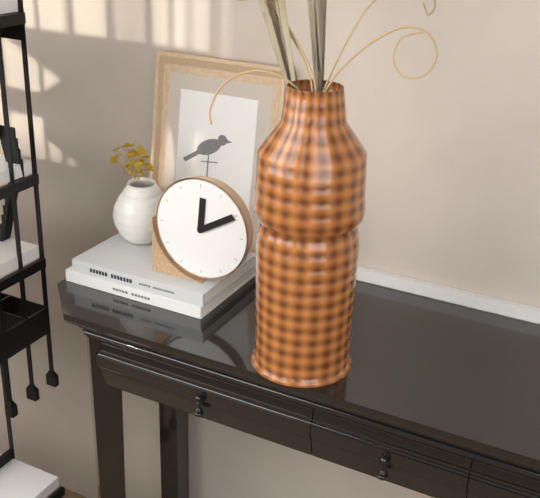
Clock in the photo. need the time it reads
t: 12:10
